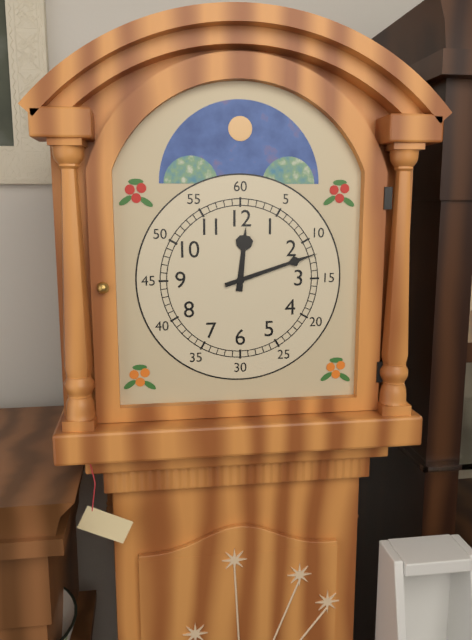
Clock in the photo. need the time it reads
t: 12:12
